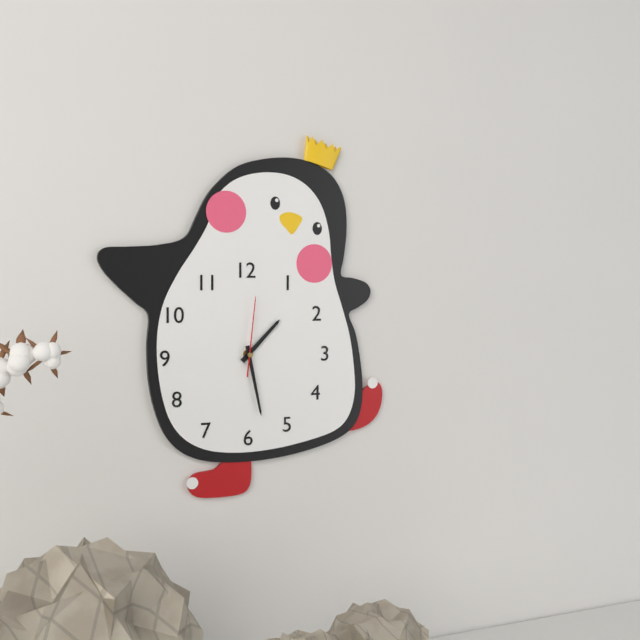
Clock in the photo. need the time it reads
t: 1:28:01
